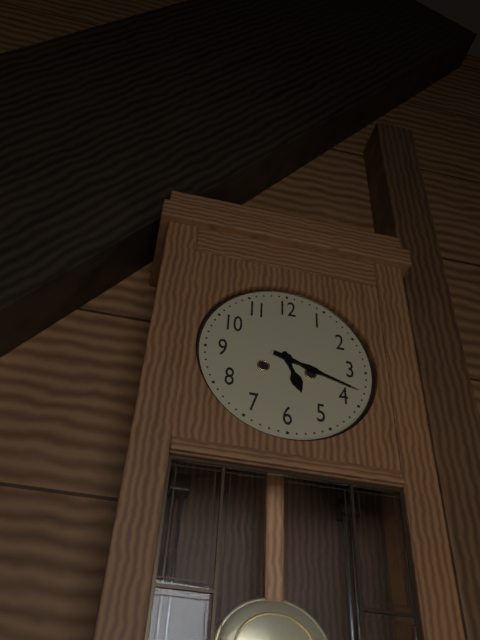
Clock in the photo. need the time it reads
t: 5:18
